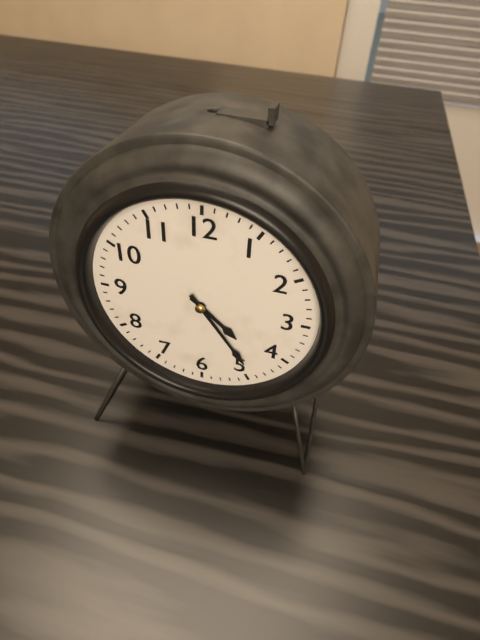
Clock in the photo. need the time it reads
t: 4:24
